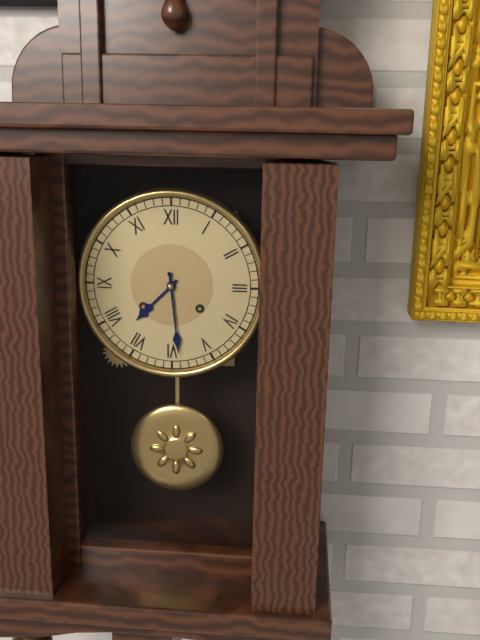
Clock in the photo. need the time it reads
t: 7:29
